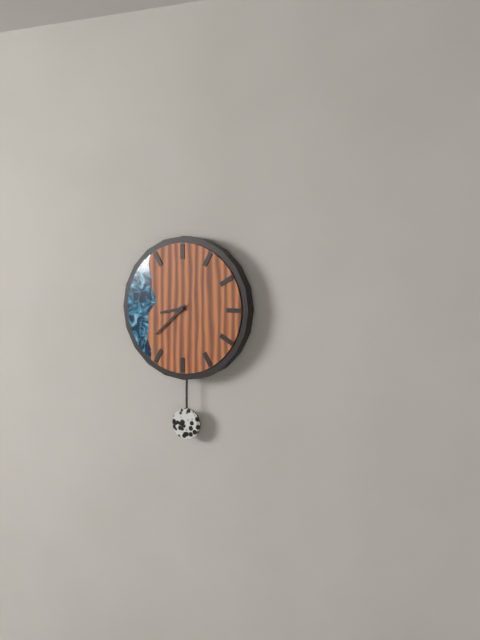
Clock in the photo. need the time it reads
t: 8:38
